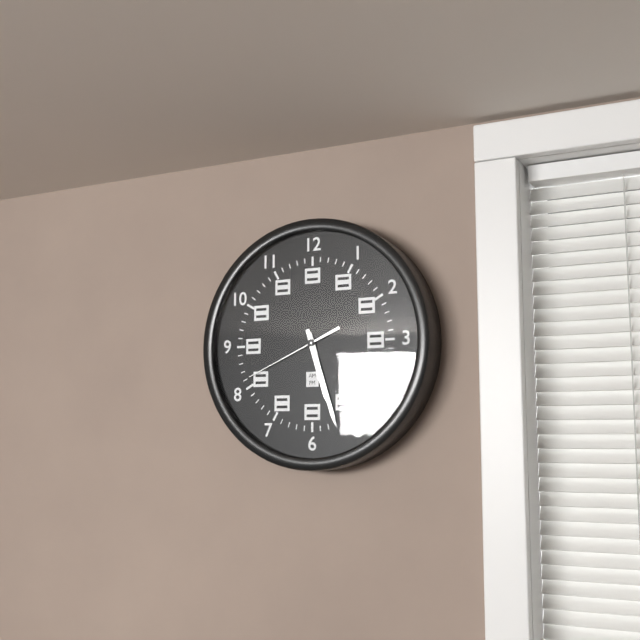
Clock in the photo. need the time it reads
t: 5:27:41
